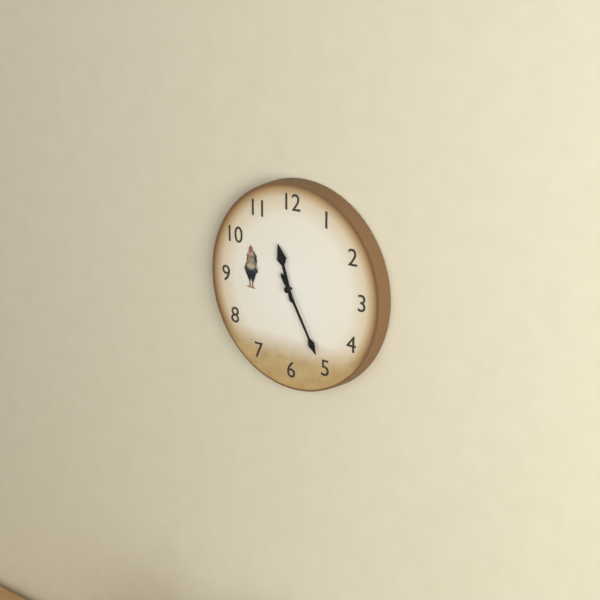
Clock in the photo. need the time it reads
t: 11:25
